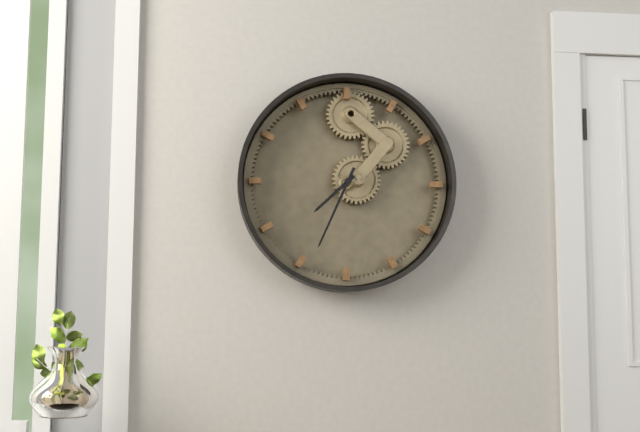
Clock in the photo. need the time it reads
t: 7:34
